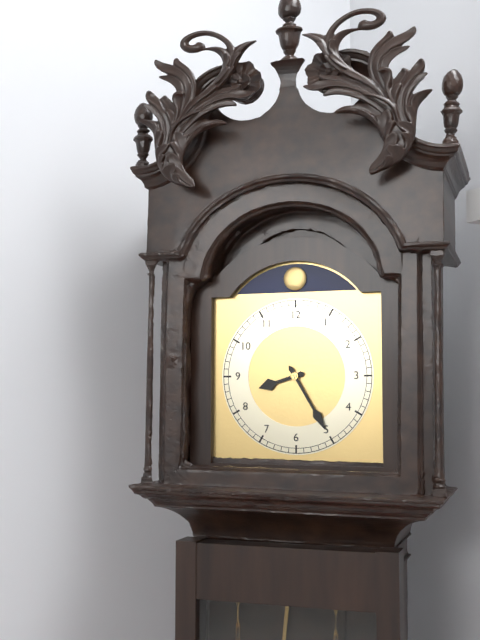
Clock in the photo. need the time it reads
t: 8:25
